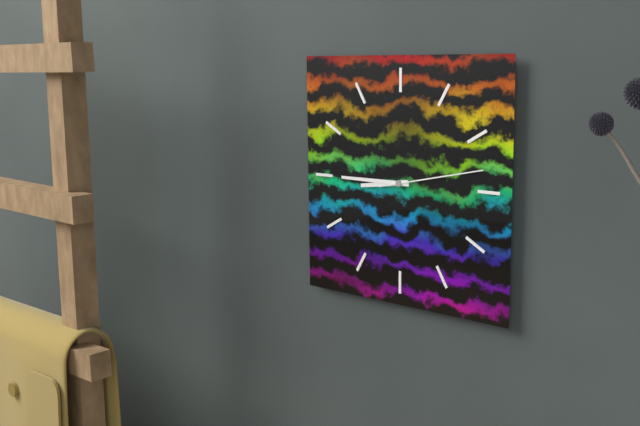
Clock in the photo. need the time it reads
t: 8:45:13
